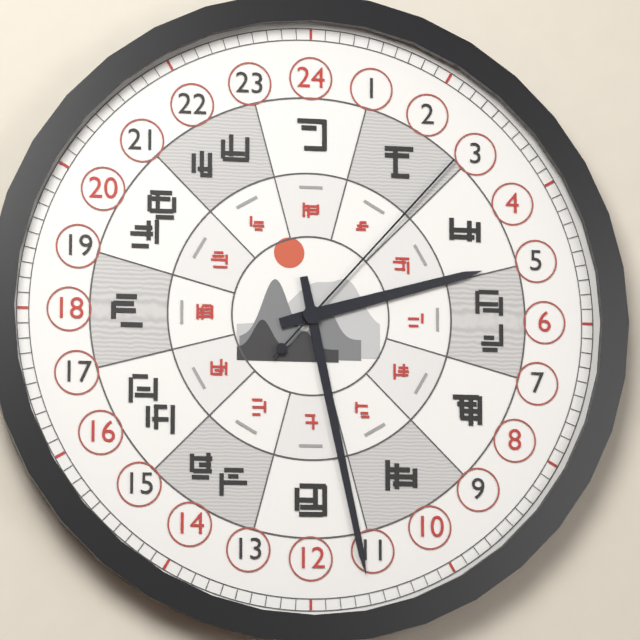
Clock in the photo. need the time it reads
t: 2:28:07
